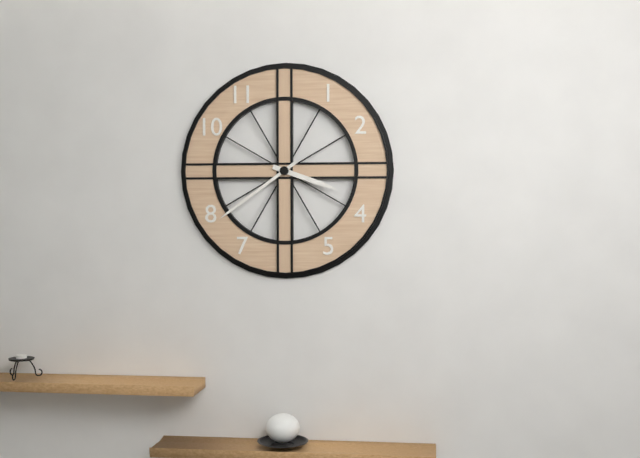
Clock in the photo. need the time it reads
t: 3:39
